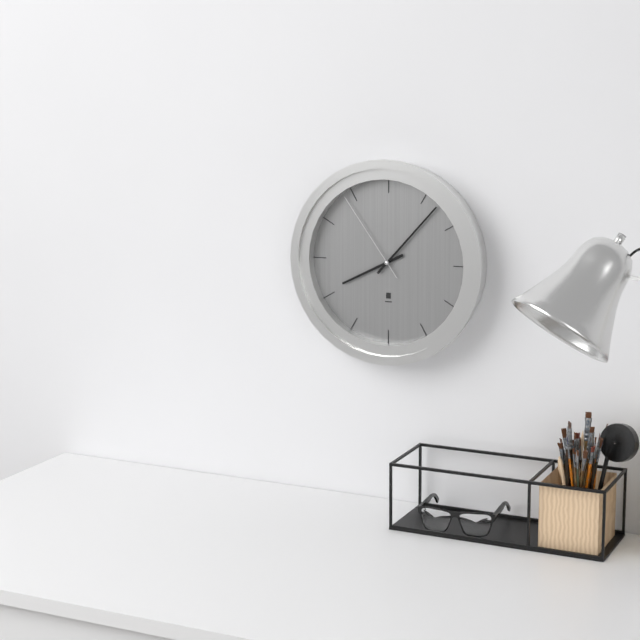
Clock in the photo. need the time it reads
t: 8:07:54
